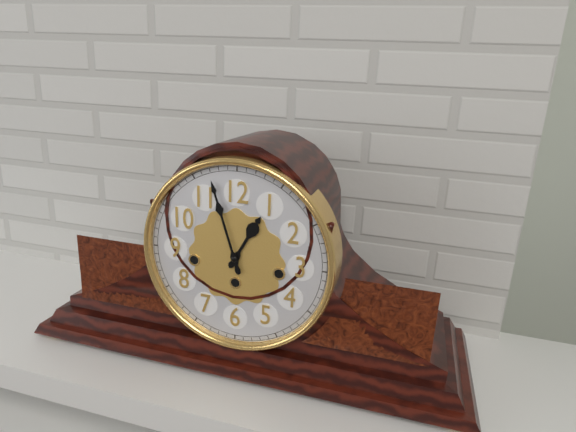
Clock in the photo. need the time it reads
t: 12:57
